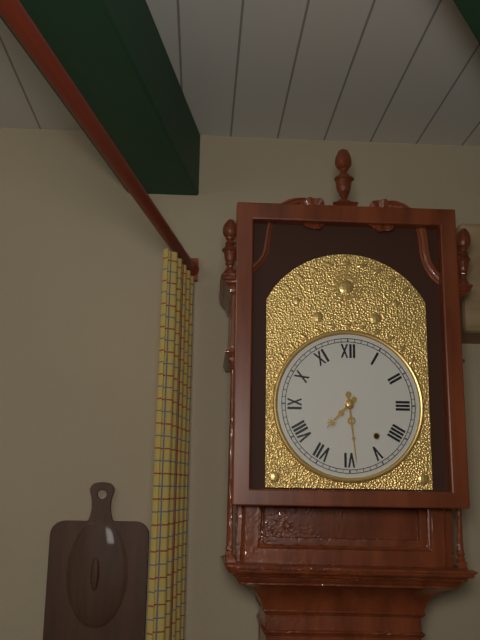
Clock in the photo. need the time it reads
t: 7:29
